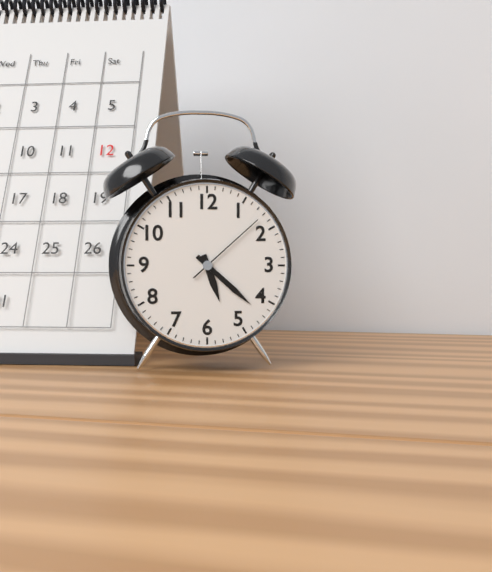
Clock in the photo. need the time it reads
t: 5:22:08
